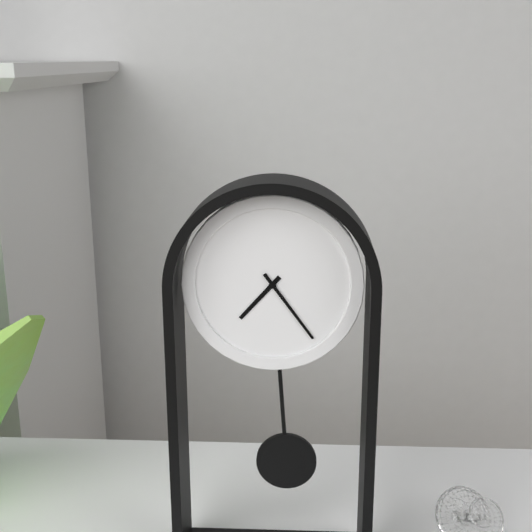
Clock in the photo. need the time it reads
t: 7:24
